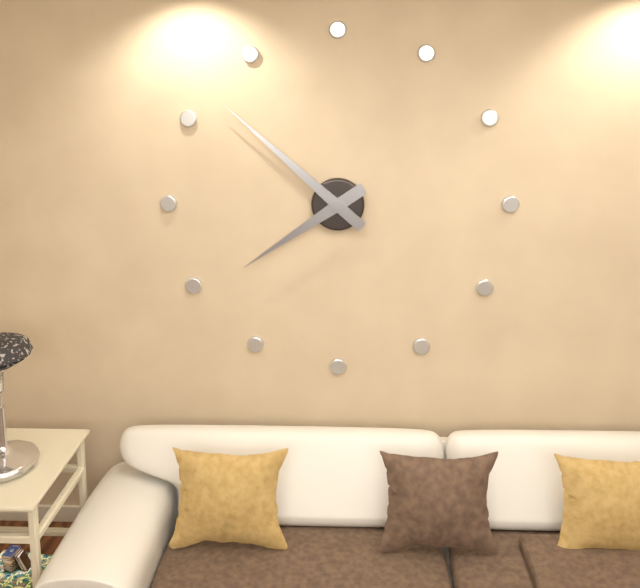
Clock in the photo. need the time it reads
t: 7:52
